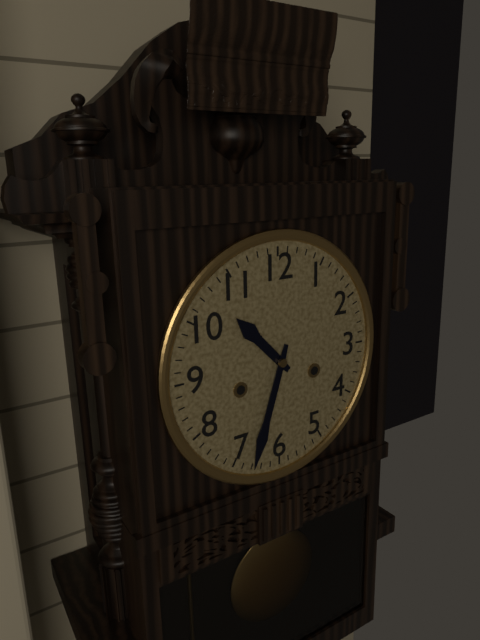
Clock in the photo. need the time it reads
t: 10:33
